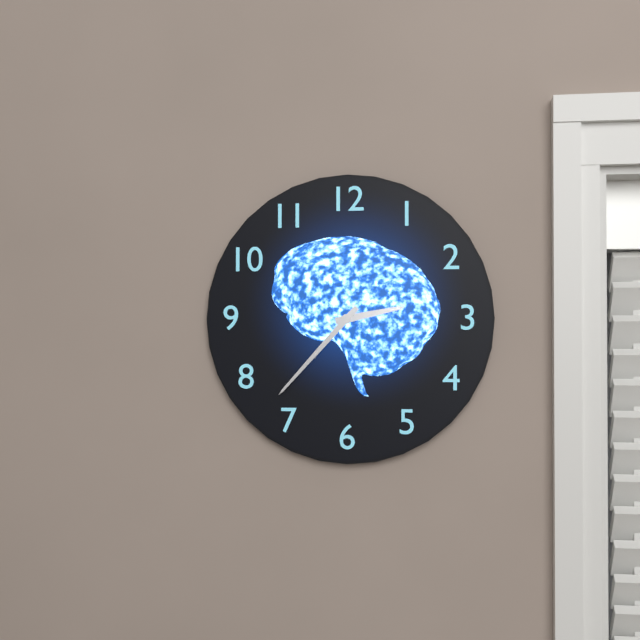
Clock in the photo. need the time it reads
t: 2:37
